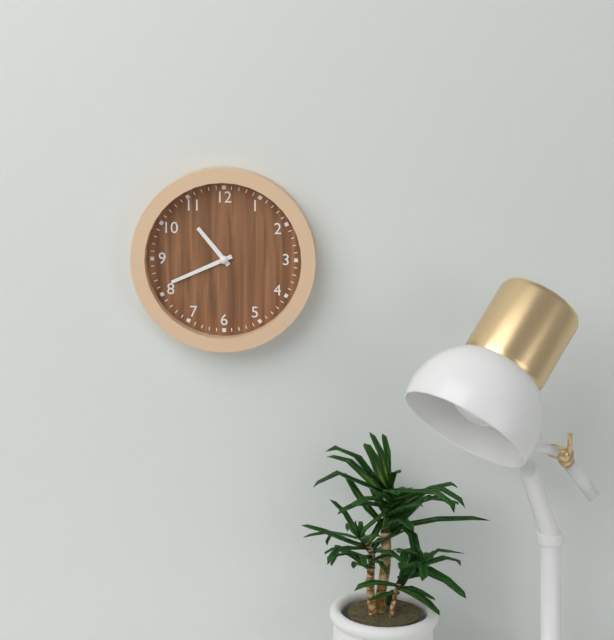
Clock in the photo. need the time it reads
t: 10:41
